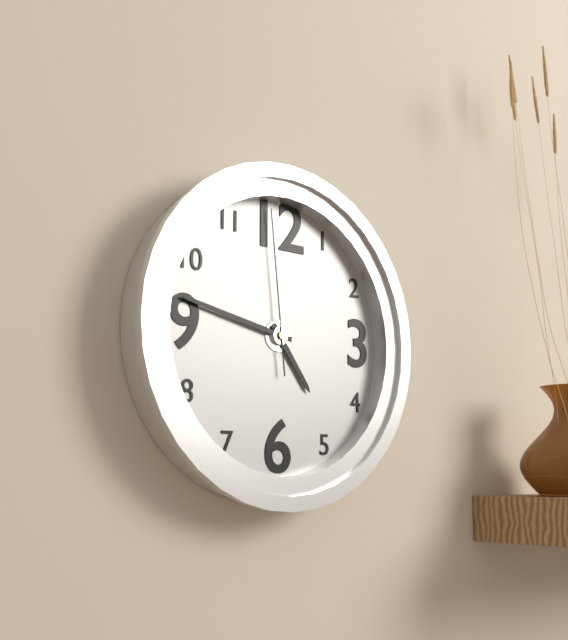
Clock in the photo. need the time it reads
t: 4:47:59
